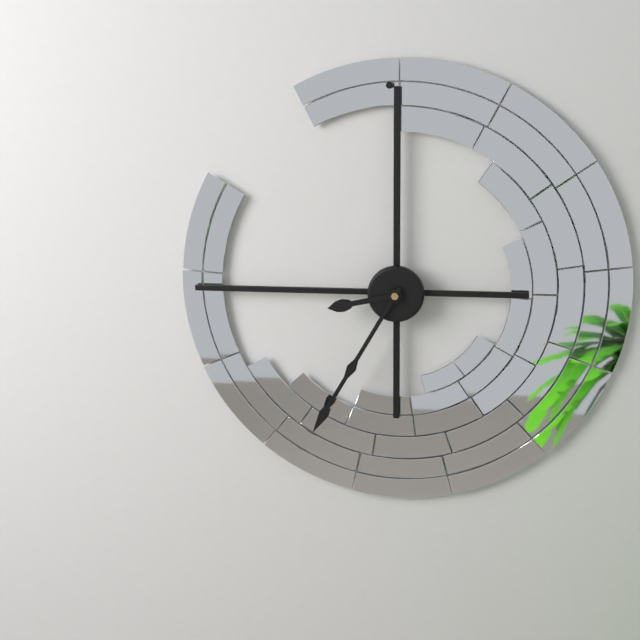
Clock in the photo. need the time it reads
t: 8:35
